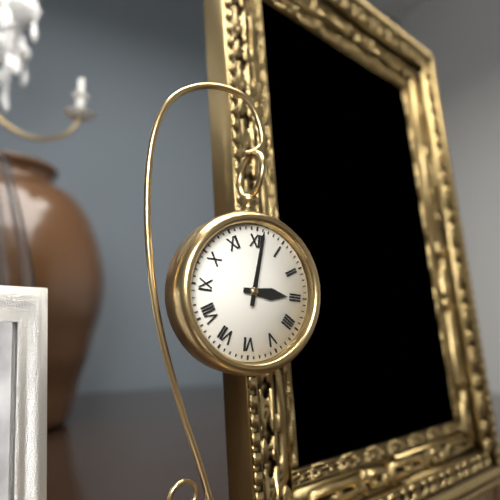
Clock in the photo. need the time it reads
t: 3:01
